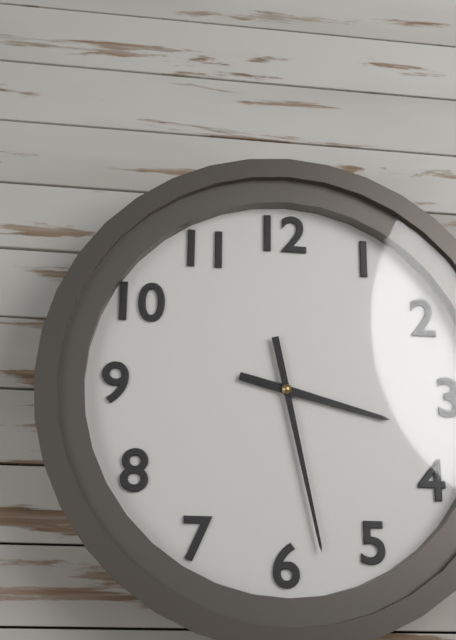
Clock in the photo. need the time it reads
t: 3:28
